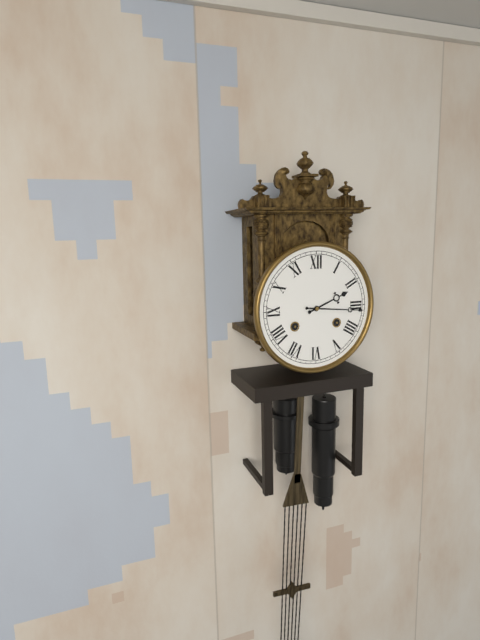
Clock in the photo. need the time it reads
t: 2:16
